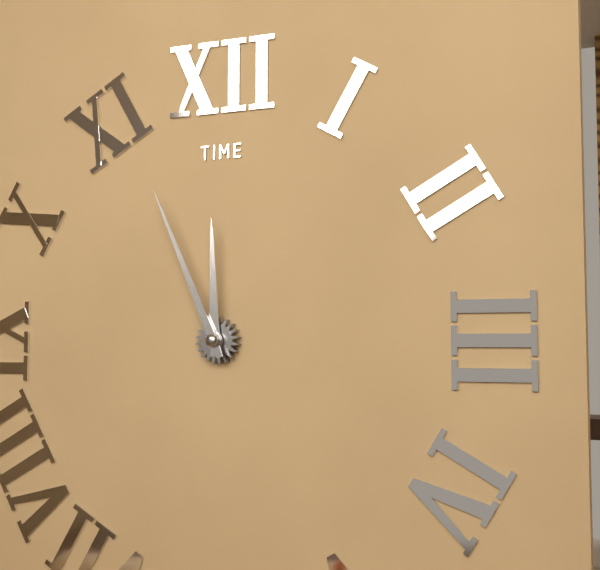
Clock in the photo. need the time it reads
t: 11:56
